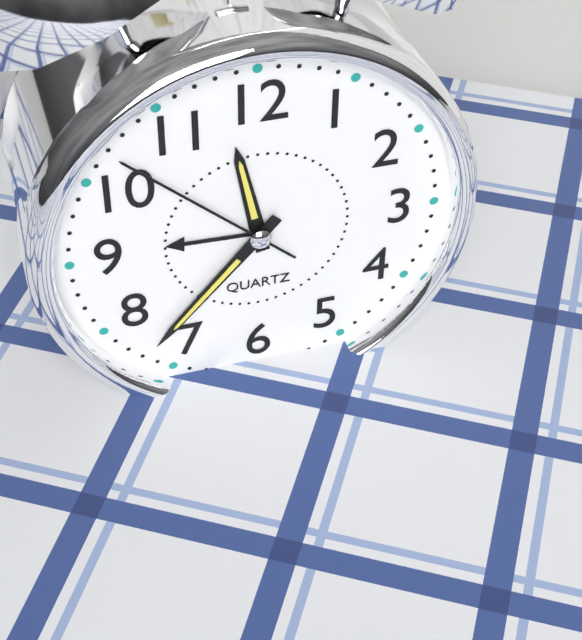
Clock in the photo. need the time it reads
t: 11:37:52
